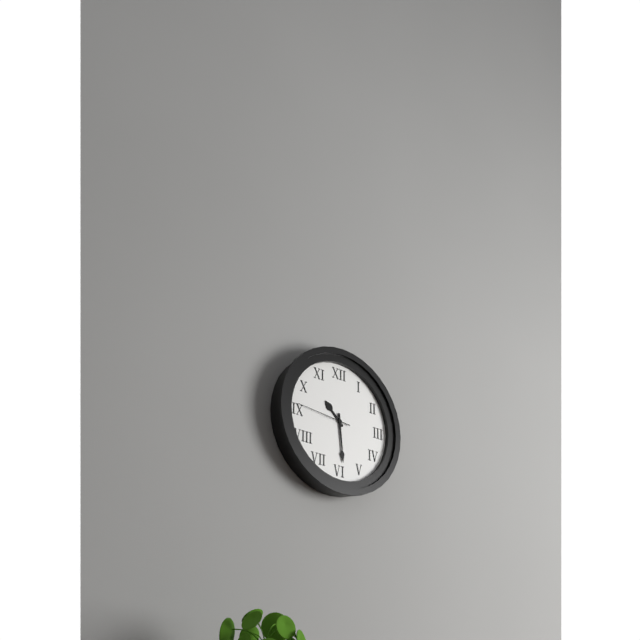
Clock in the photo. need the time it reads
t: 10:29:46
